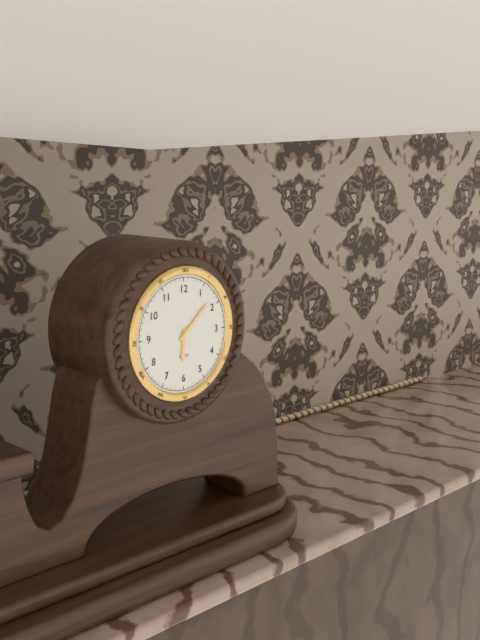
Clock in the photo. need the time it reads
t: 6:08
